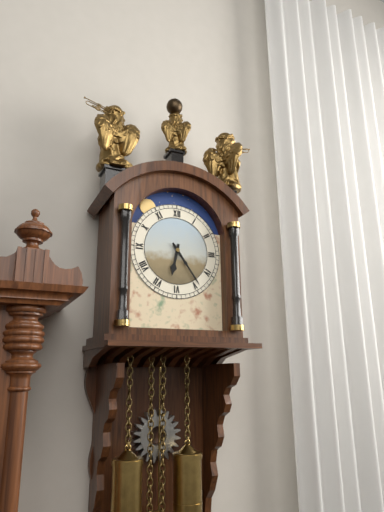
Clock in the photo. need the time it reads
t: 6:24
